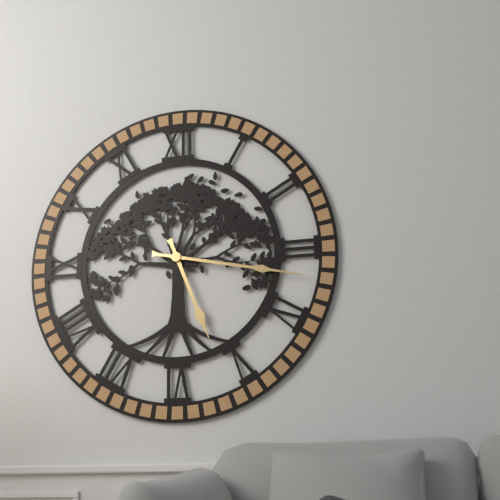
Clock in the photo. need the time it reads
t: 5:17
